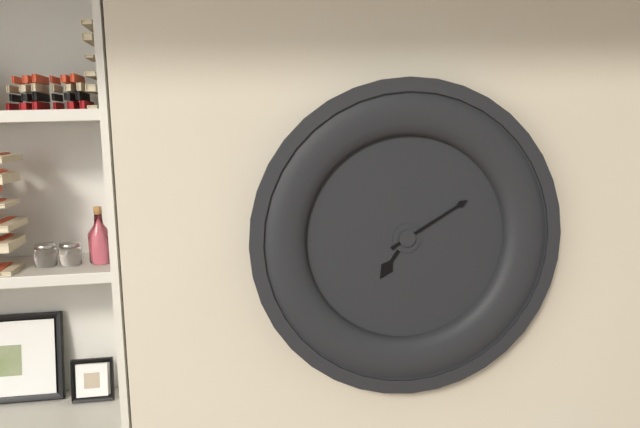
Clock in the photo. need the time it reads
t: 7:10
